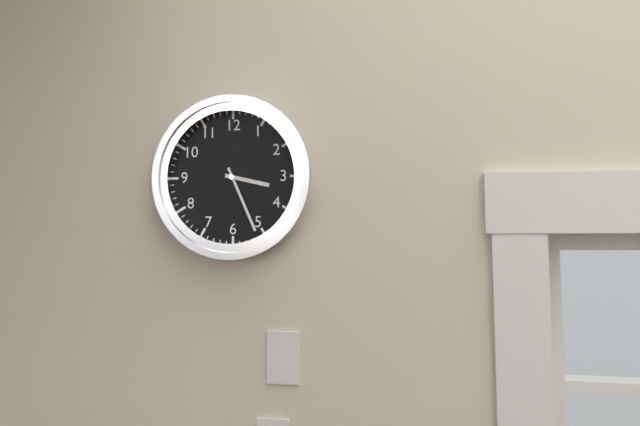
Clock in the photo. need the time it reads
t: 3:26
